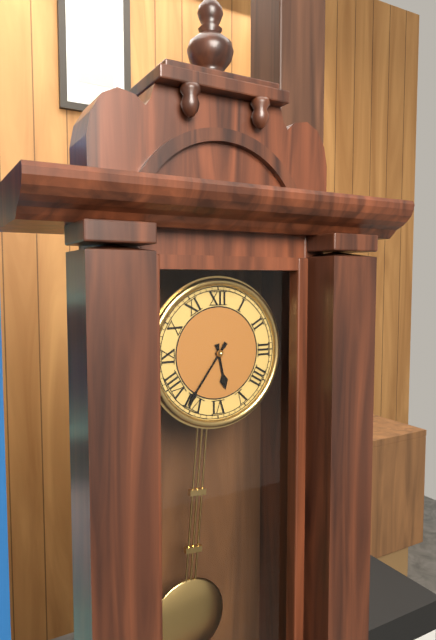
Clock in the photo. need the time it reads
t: 5:36
